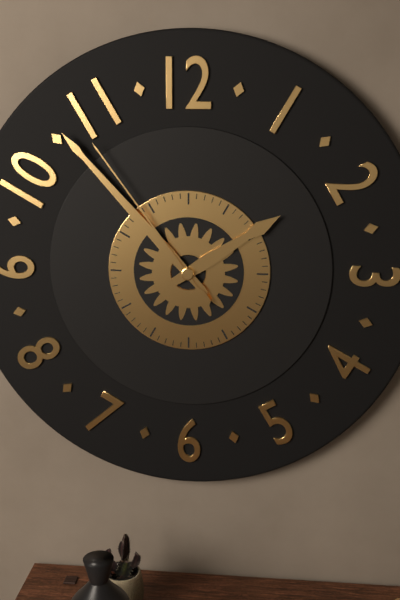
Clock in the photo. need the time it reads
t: 1:53:54
